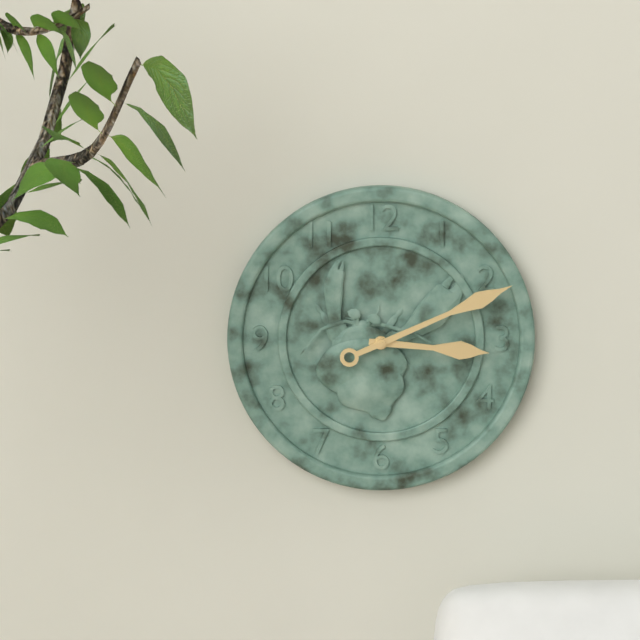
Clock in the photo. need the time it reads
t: 3:11
